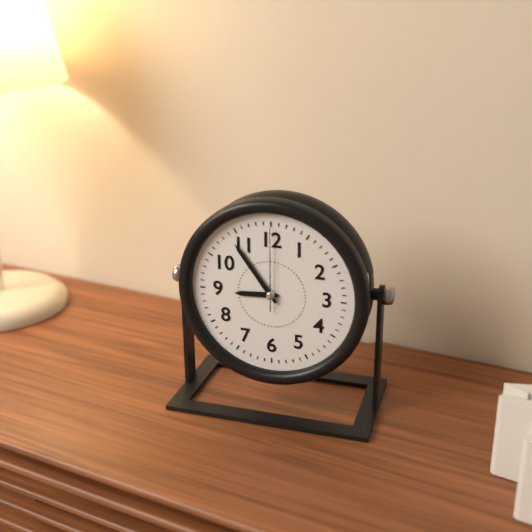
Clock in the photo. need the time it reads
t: 8:54:00
